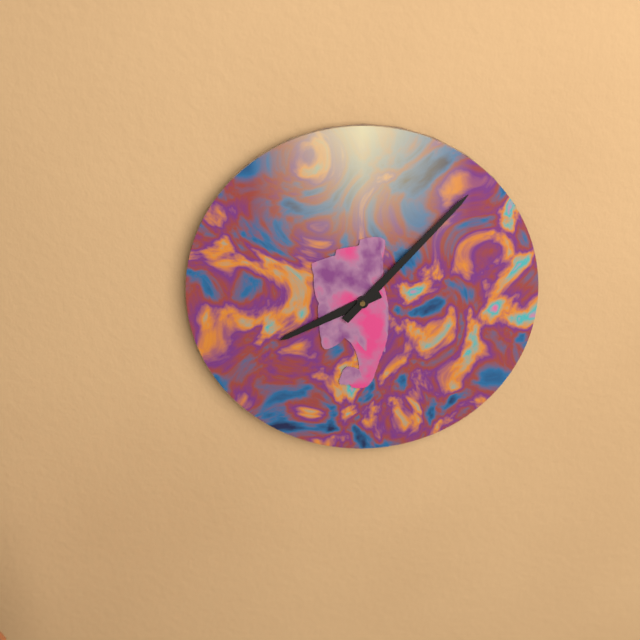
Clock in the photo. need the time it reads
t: 8:07
